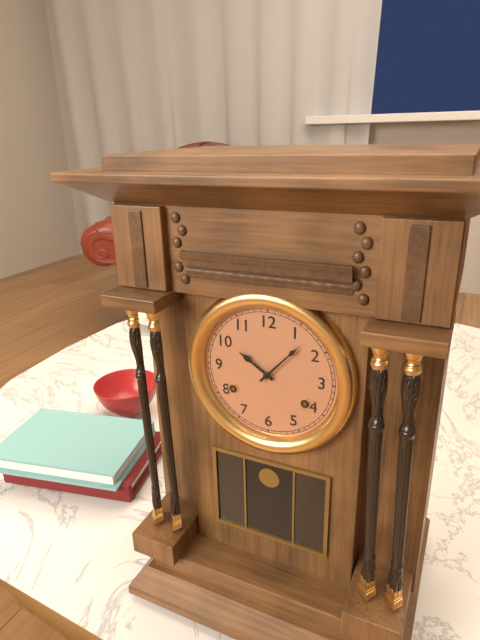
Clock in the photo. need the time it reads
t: 10:07
